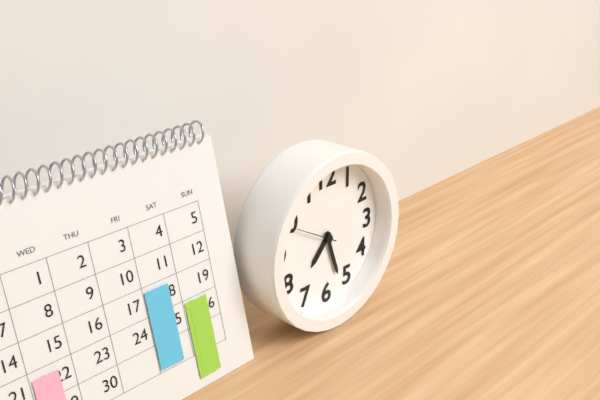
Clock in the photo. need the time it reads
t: 7:27
